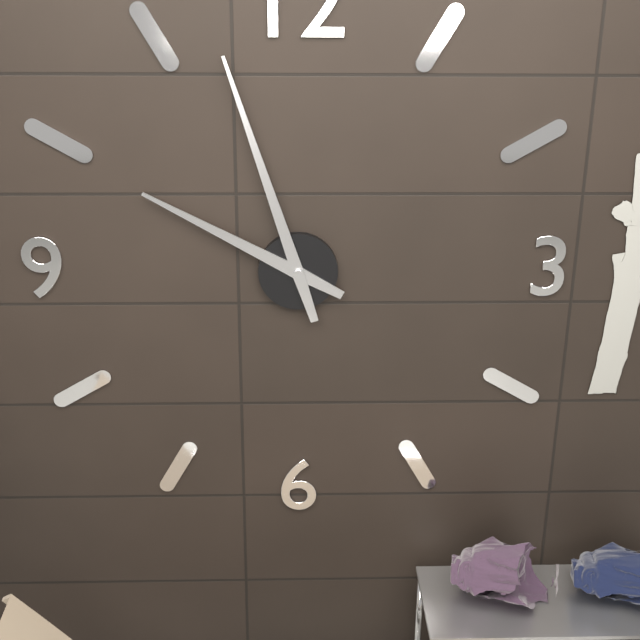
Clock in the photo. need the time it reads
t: 9:57
